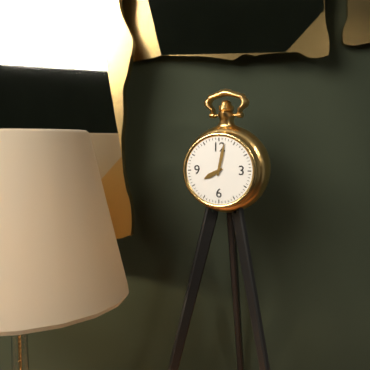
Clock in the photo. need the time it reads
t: 8:02
